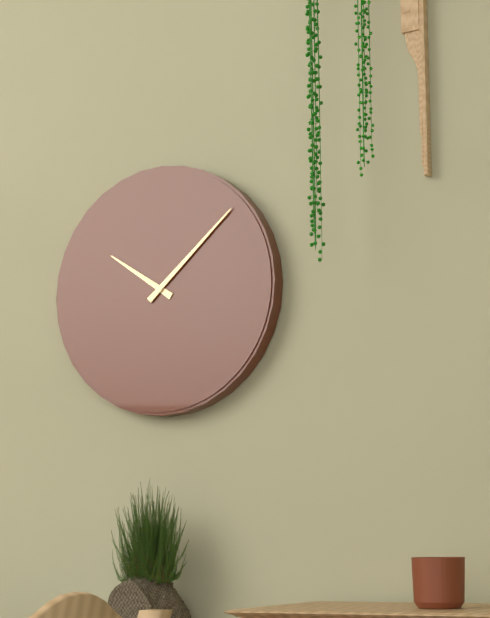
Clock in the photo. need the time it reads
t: 10:08
